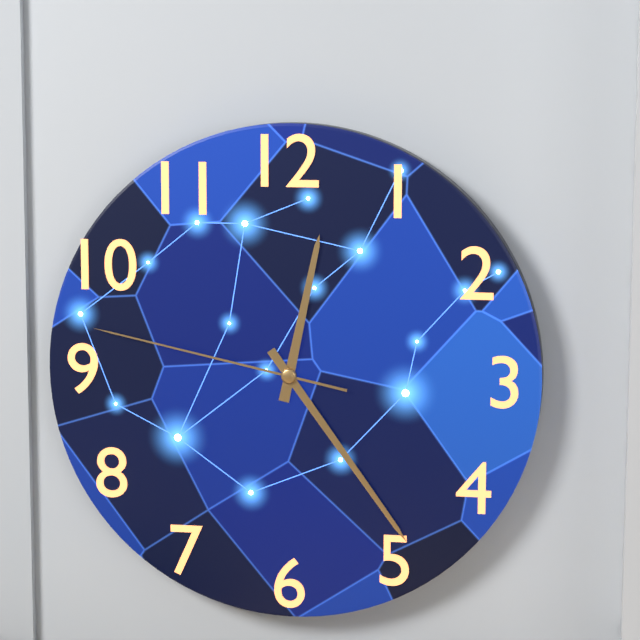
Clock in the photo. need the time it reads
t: 12:24:47
